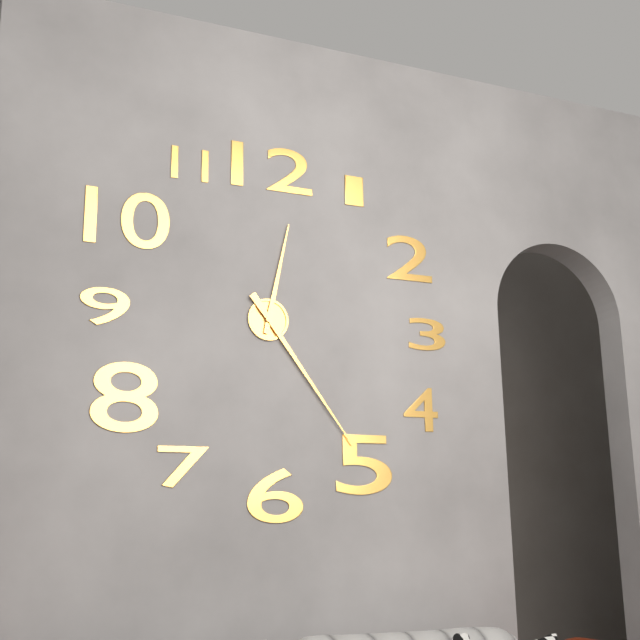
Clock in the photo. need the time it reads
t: 12:24
